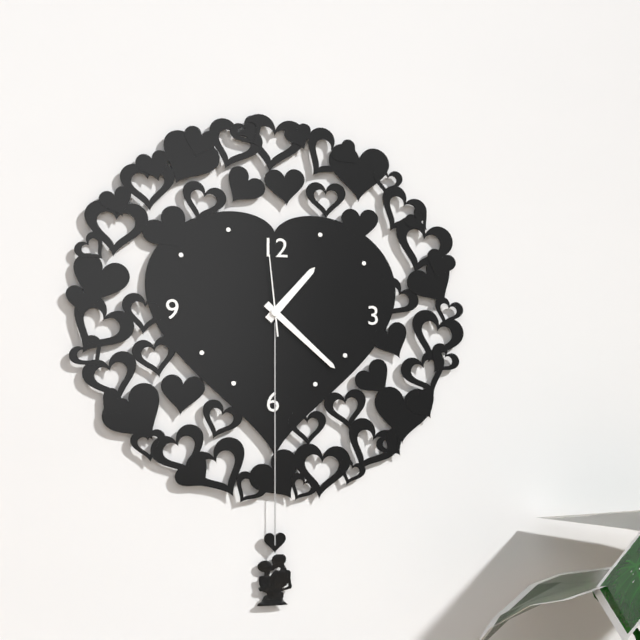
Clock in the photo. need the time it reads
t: 1:22:59
